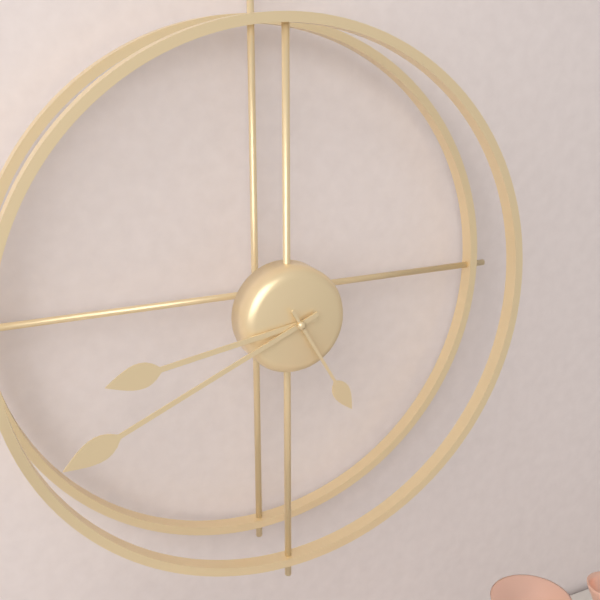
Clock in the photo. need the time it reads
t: 8:41:25
